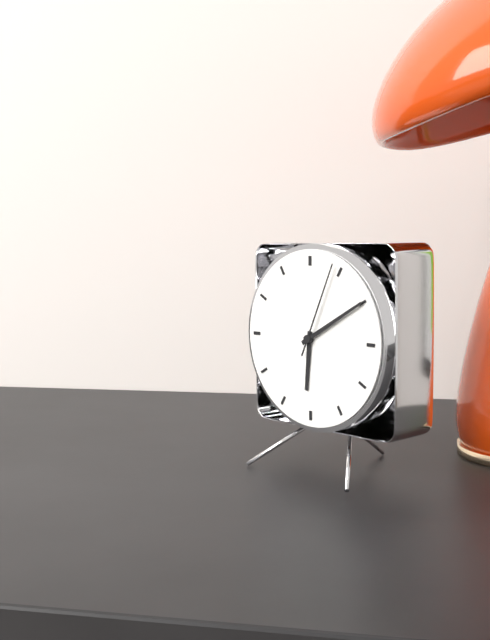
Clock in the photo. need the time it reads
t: 6:10:04
